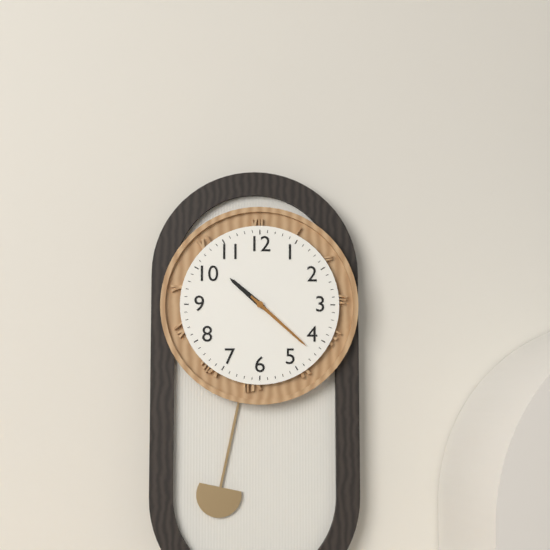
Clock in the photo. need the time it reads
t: 10:22
